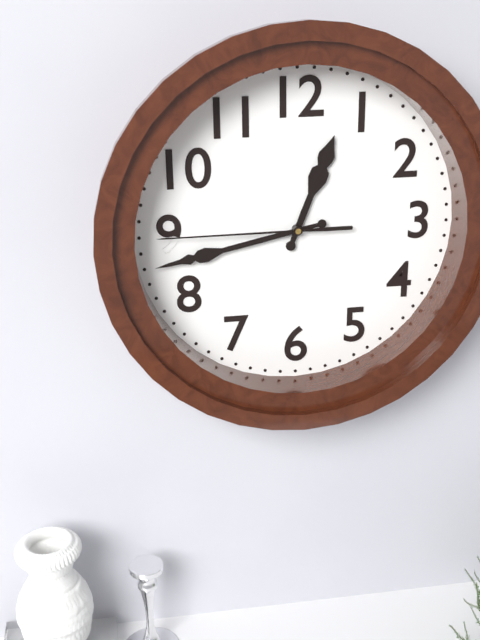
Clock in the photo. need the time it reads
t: 12:43:45
